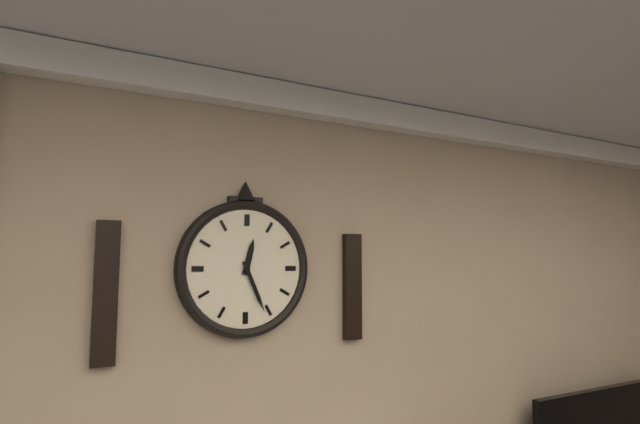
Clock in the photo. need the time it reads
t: 12:26
